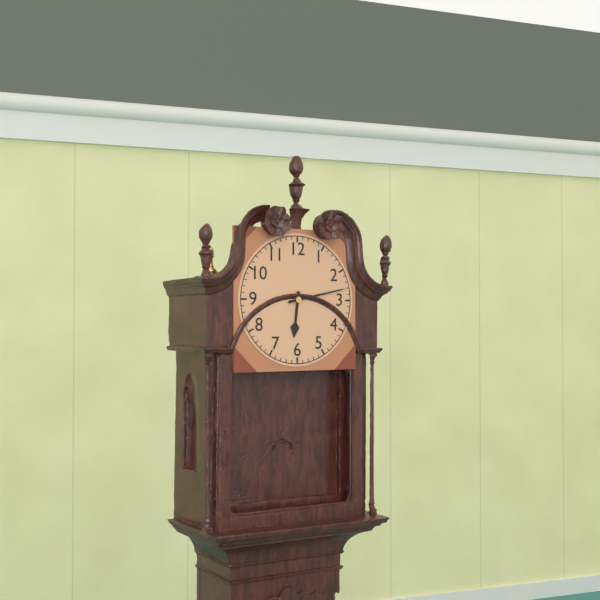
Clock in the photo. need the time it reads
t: 6:13
